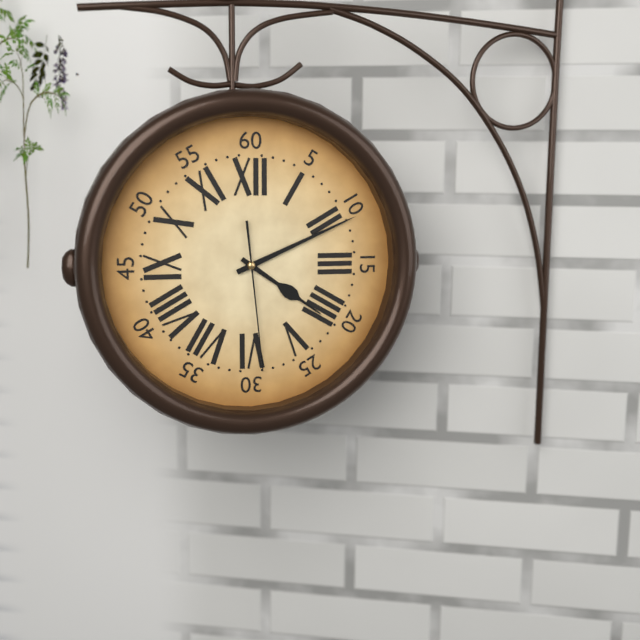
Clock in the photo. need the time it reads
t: 4:11:29
